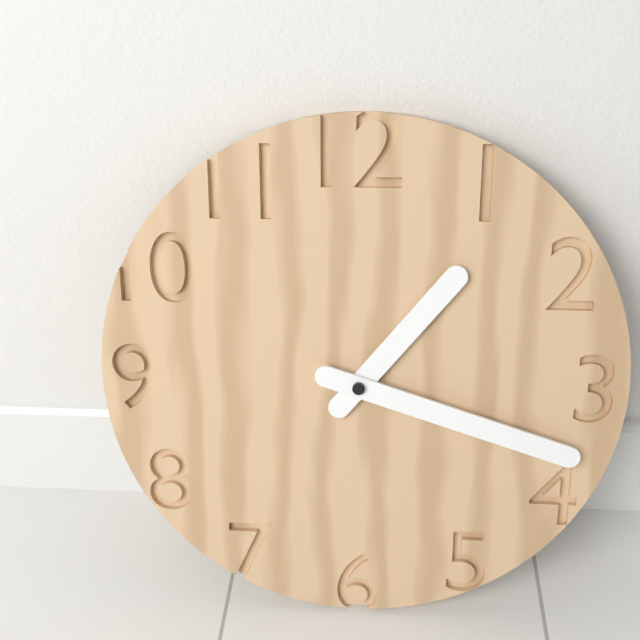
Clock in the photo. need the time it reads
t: 1:18
